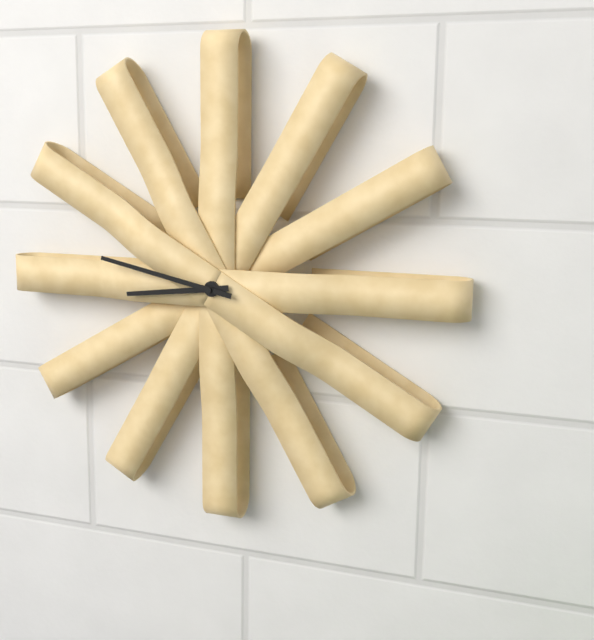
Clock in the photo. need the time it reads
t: 8:47
